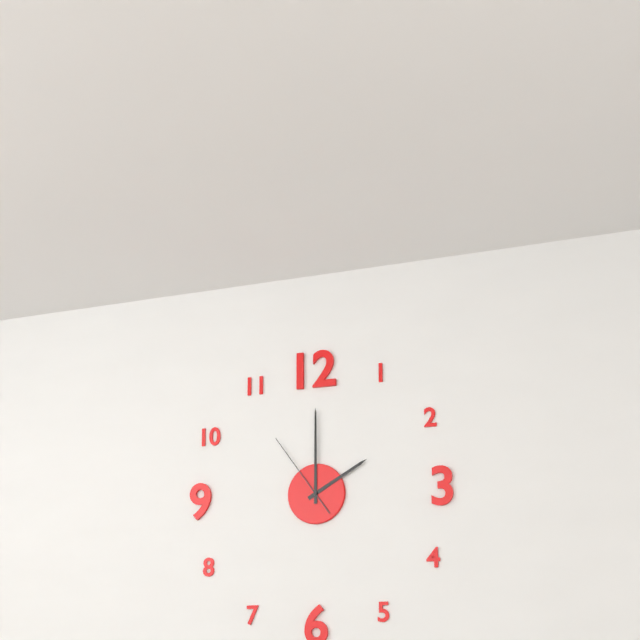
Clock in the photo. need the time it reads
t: 2:00:54
